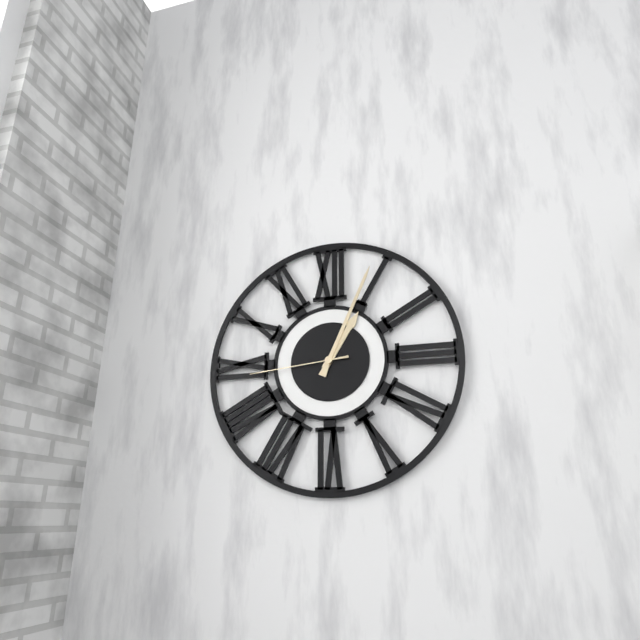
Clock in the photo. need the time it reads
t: 1:04:44
